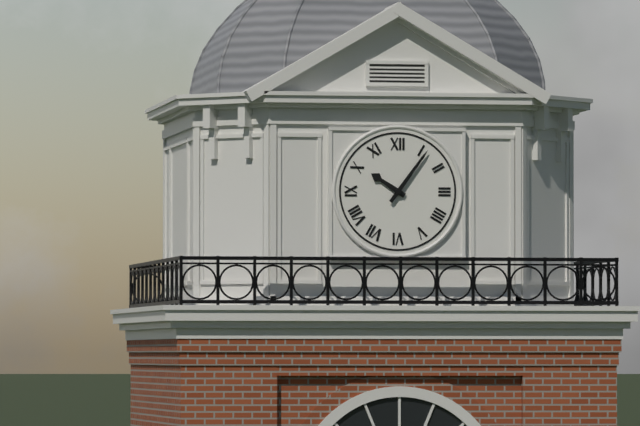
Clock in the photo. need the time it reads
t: 10:06
